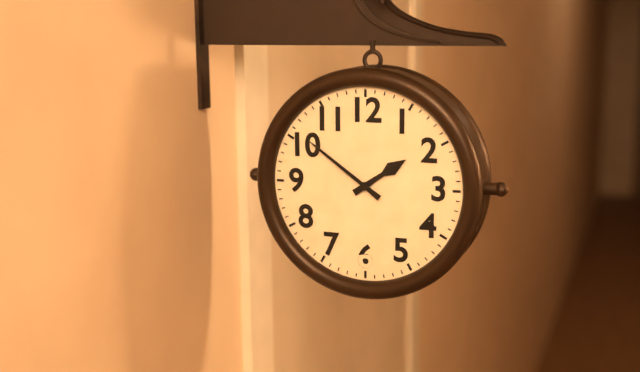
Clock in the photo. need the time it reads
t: 1:51
